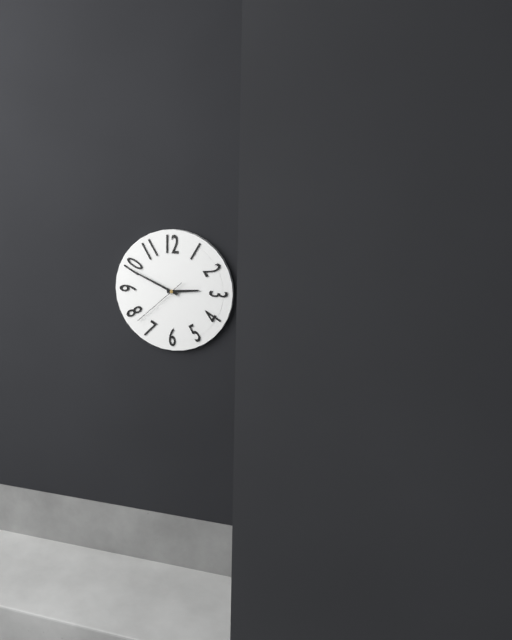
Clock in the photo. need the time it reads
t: 2:49:38
